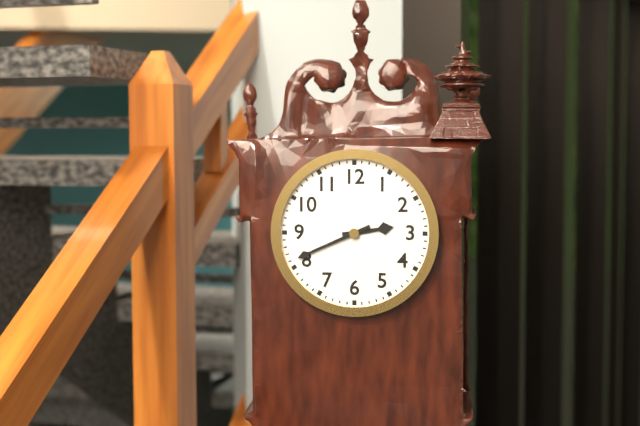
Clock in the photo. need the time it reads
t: 2:41
